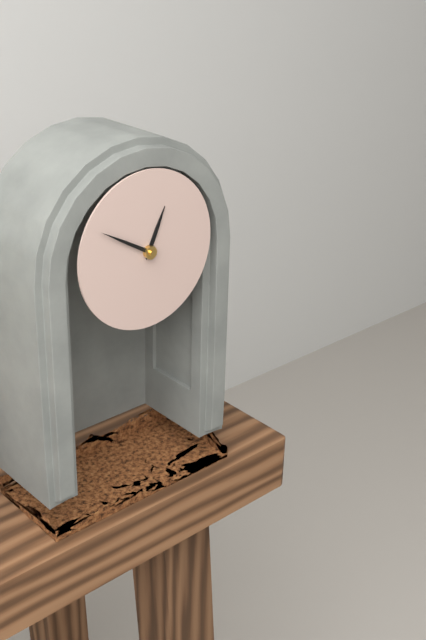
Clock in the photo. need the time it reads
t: 12:50
